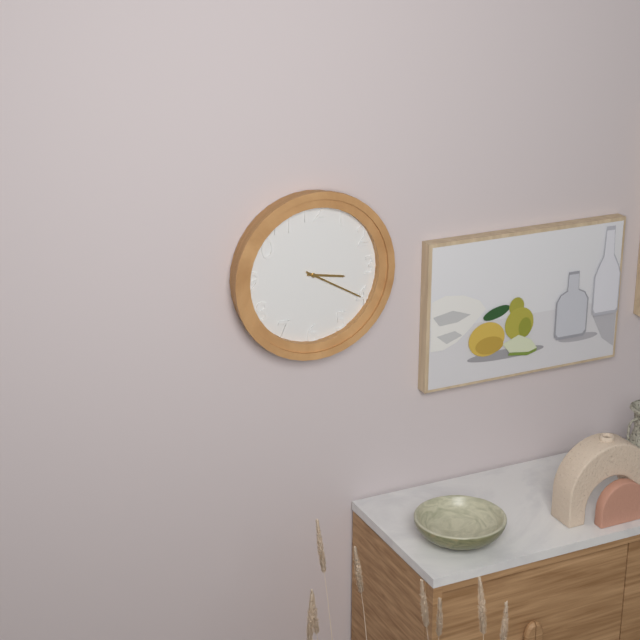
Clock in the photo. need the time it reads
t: 3:20
